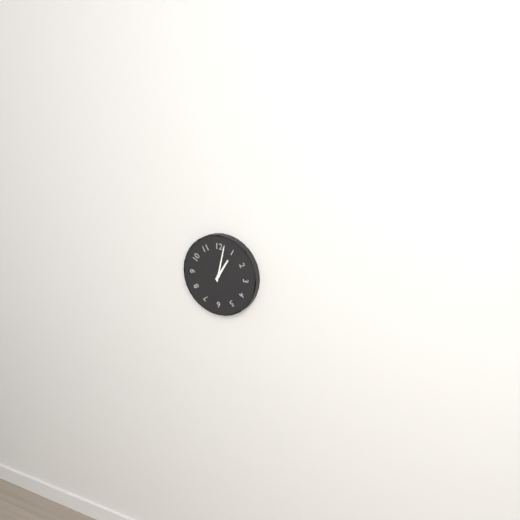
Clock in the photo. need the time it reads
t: 1:02
